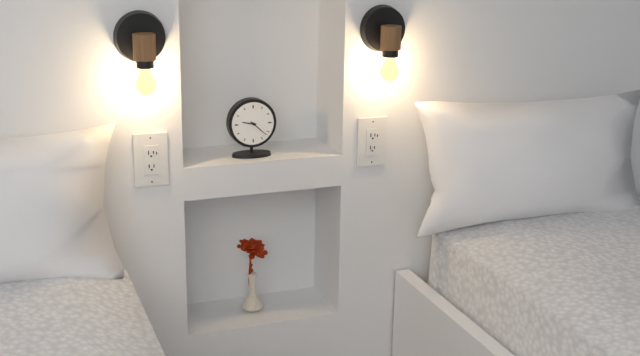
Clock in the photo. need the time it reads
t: 9:22
